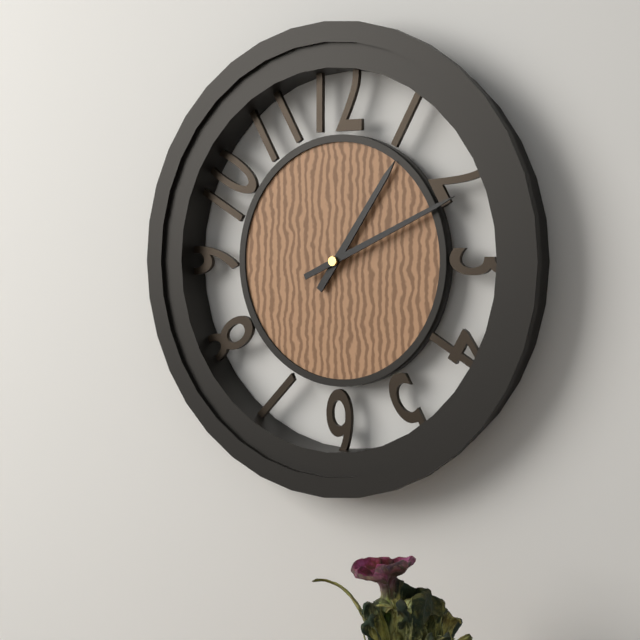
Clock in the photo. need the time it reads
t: 1:11
